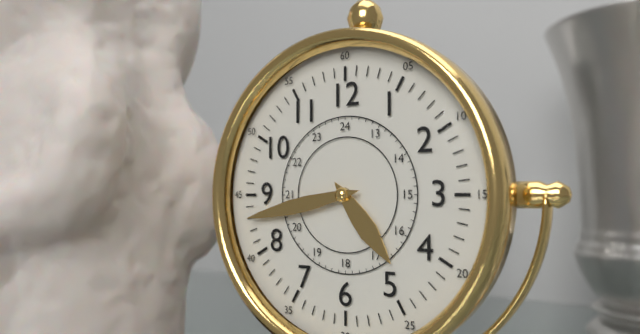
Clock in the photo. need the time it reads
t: 4:43
